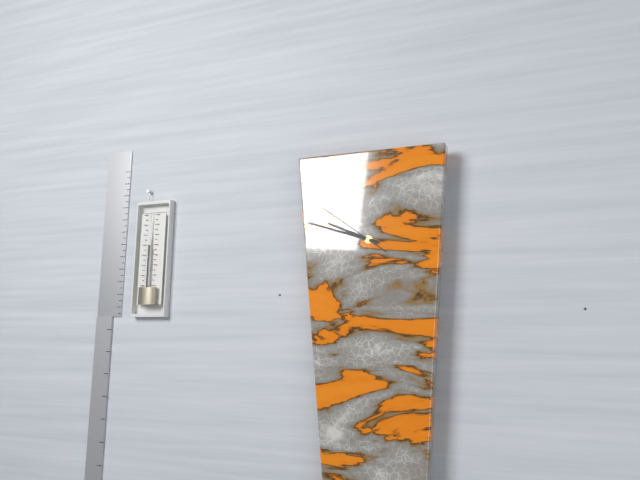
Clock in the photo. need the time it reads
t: 9:48:51
